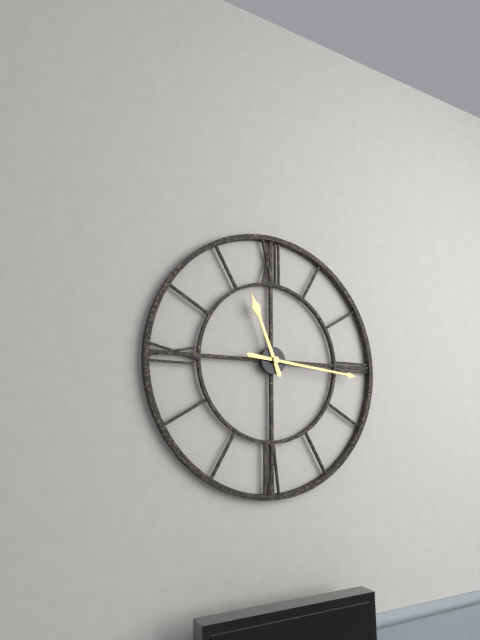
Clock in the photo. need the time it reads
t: 11:16
